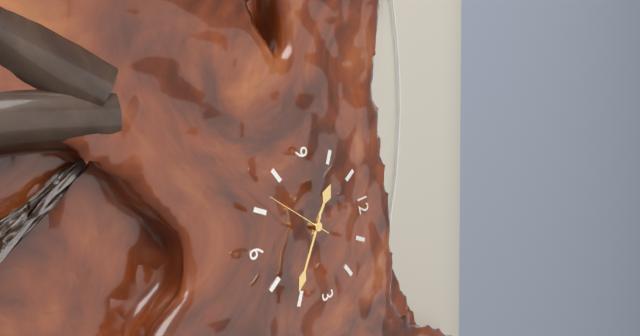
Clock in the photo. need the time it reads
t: 10:21:37
